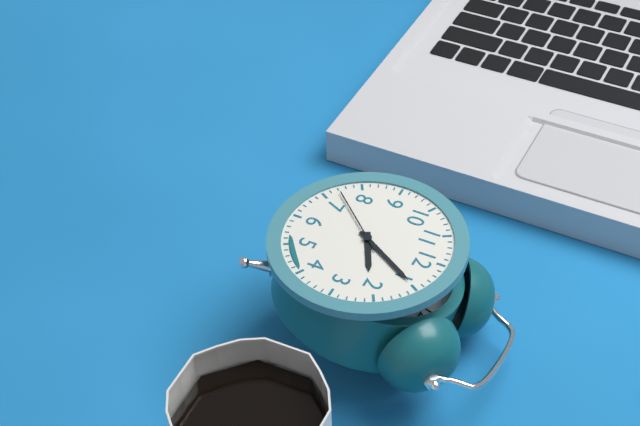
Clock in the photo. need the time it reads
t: 2:05:37
